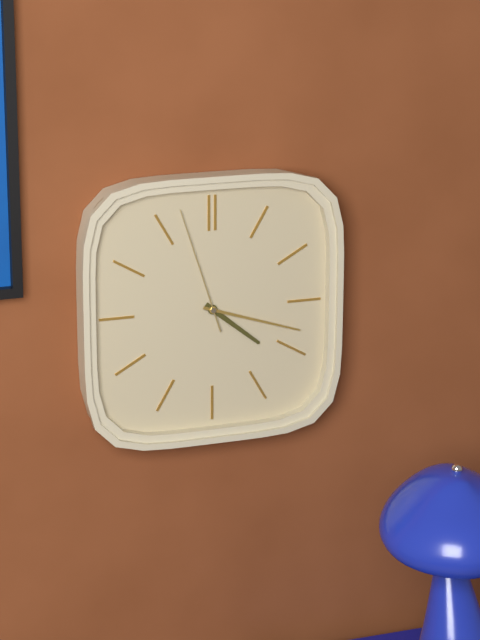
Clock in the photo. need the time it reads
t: 4:18:57
